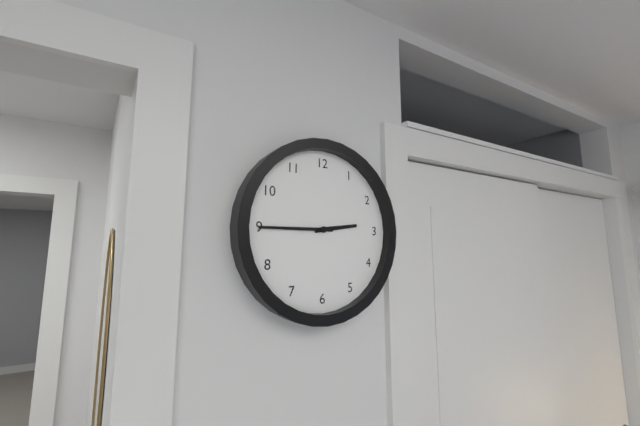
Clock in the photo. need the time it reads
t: 2:45
